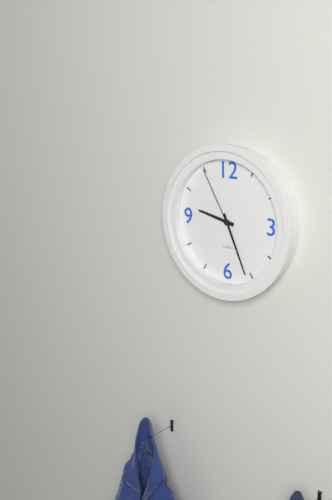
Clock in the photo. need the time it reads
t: 9:26:55
